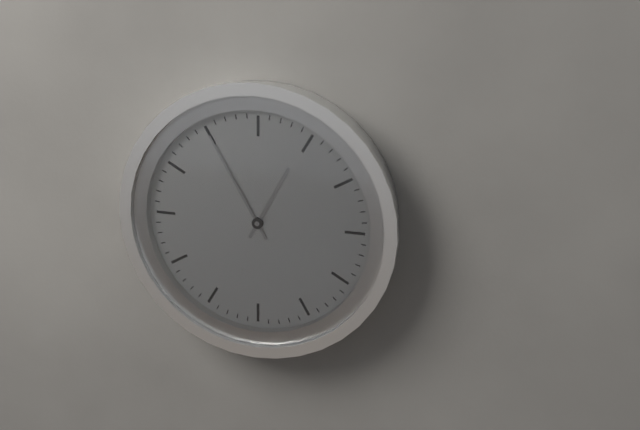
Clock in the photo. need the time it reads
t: 12:55
